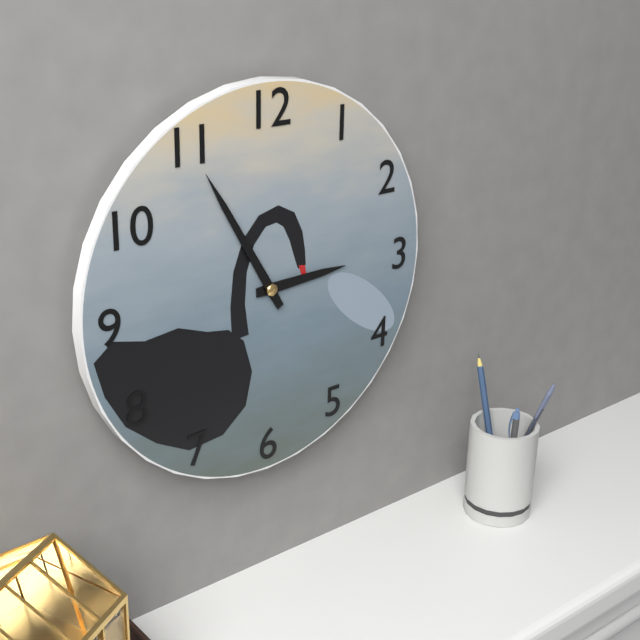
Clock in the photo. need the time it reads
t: 2:55
